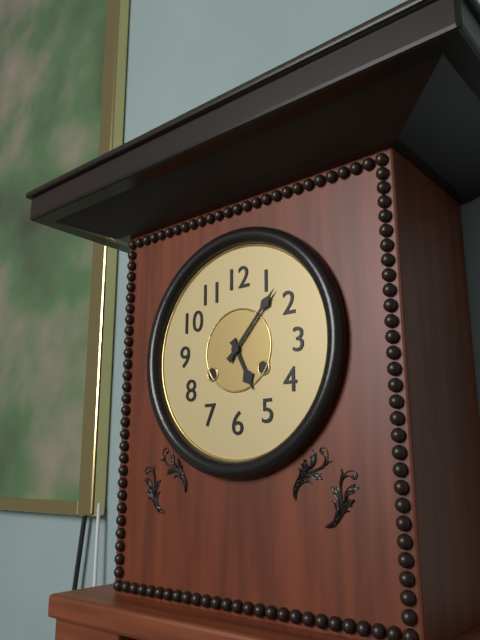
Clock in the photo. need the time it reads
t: 5:07
